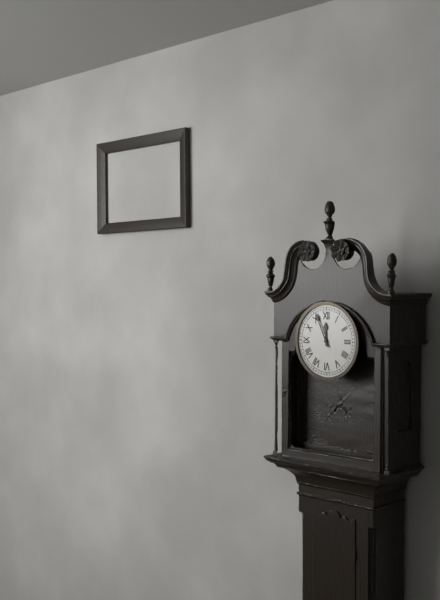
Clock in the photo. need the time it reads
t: 11:56
